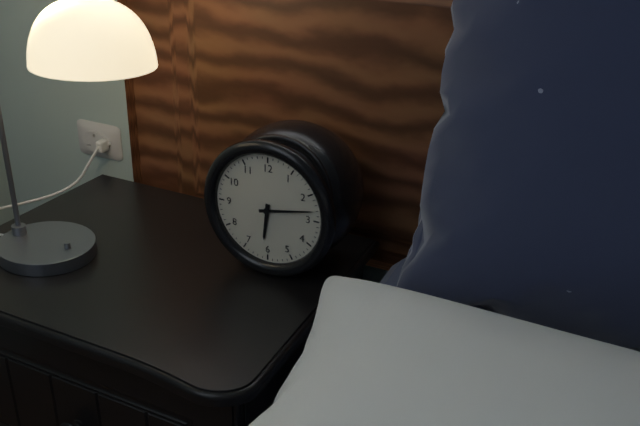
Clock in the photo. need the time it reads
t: 6:13
